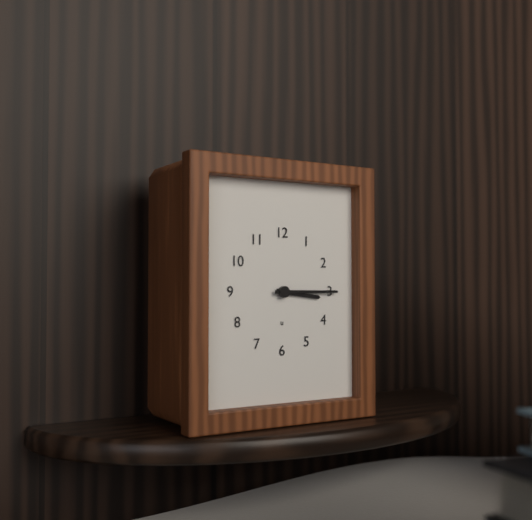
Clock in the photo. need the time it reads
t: 3:15
